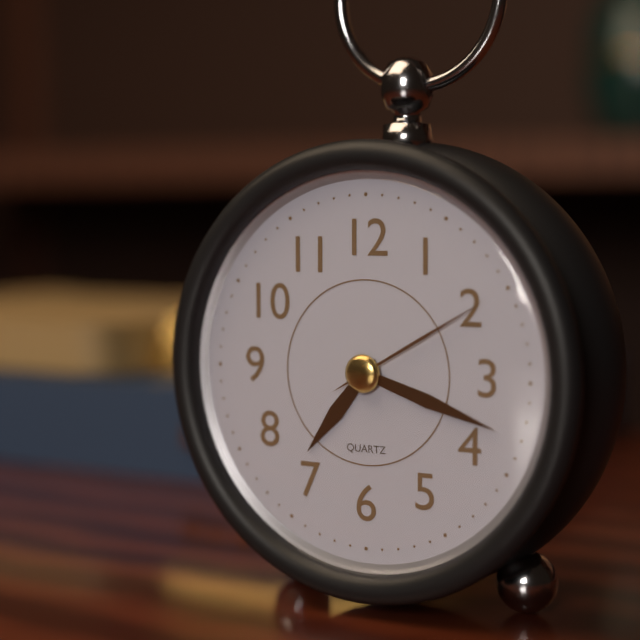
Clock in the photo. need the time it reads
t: 7:18:10
